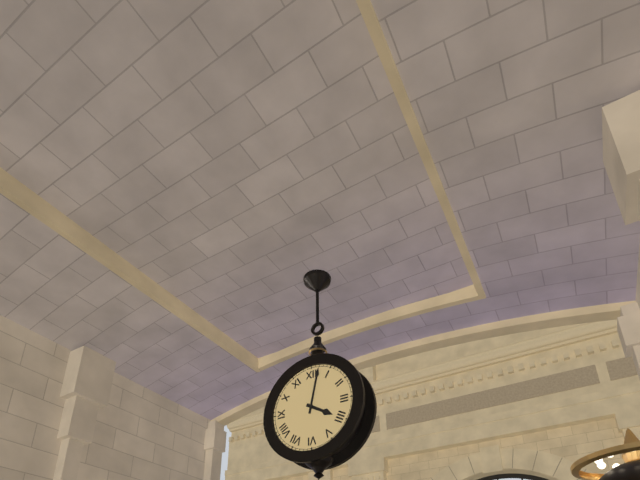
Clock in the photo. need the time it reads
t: 4:02
